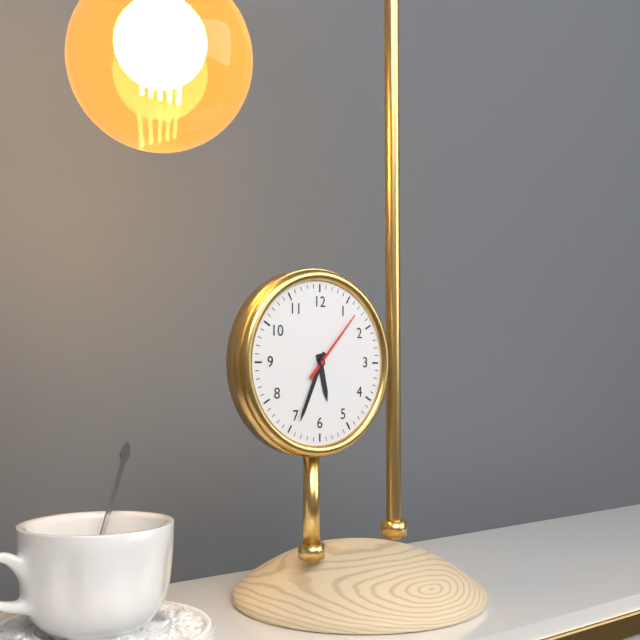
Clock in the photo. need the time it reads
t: 5:34:07
